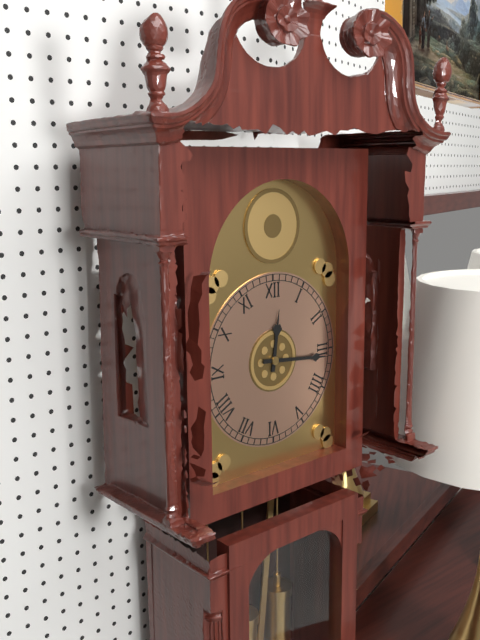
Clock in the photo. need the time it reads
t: 12:16
